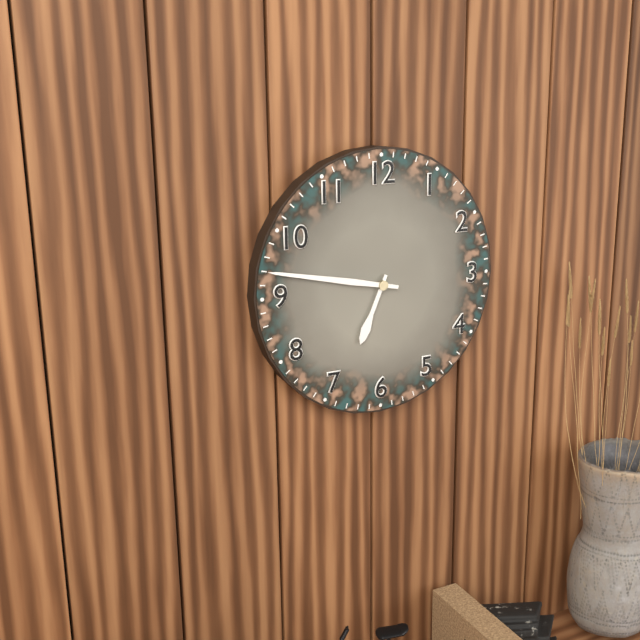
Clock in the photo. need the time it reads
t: 6:47
